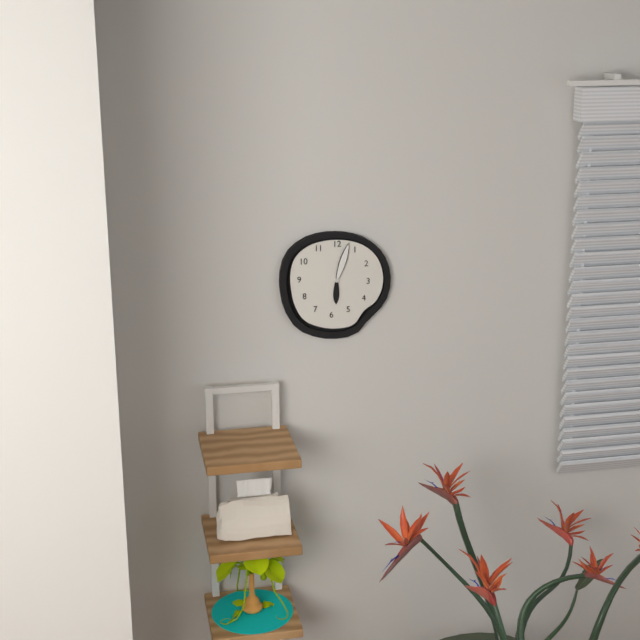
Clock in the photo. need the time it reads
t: 6:03
